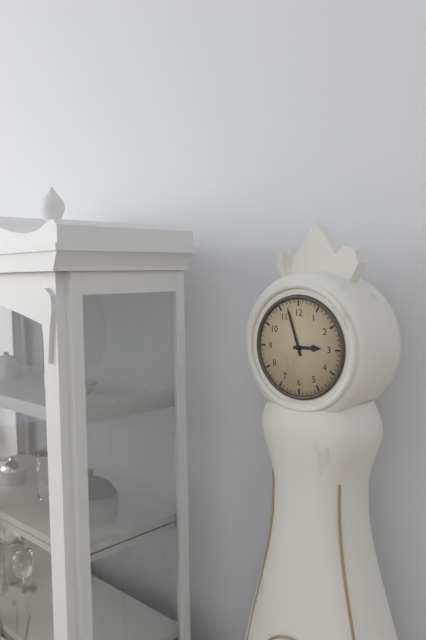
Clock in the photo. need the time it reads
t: 2:57
